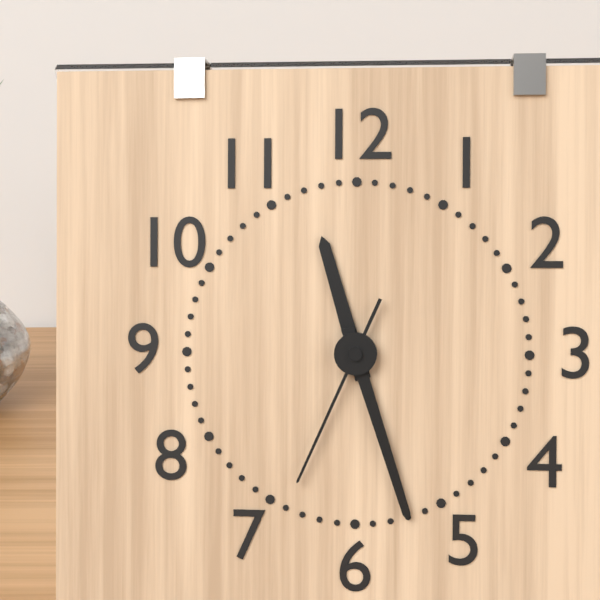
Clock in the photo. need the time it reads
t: 11:27:34
